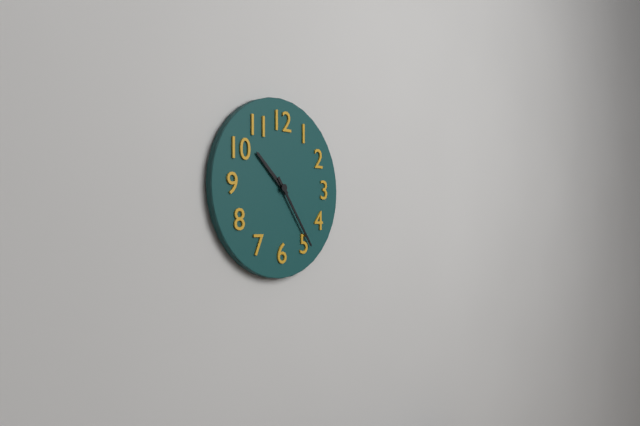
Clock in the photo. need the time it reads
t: 10:24
